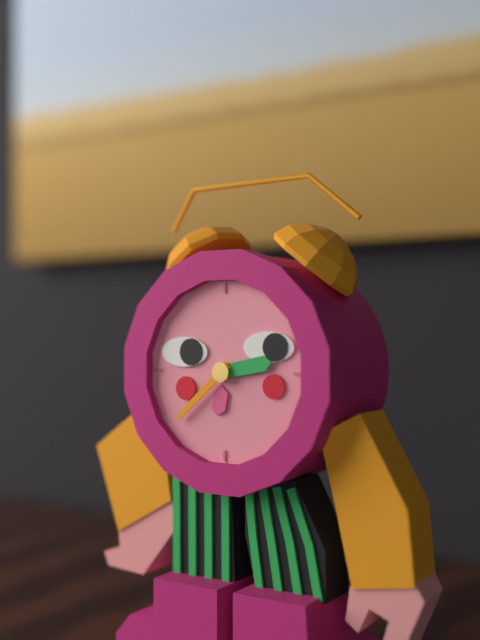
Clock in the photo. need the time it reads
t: 2:38
